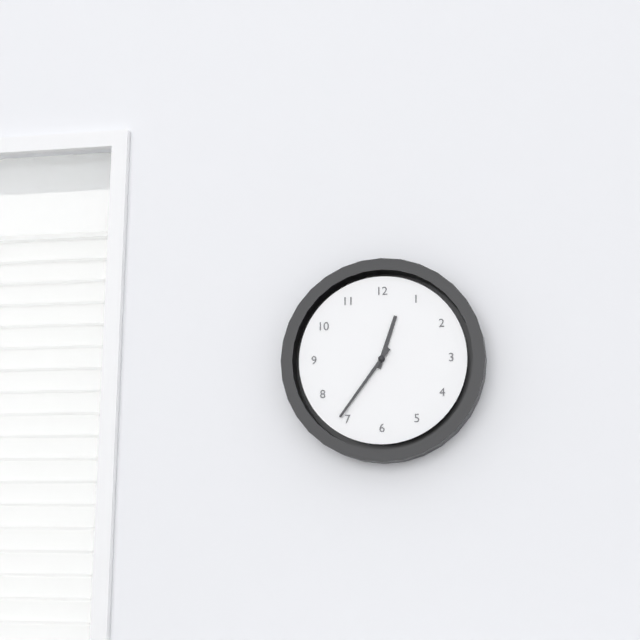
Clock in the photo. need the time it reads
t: 12:36
